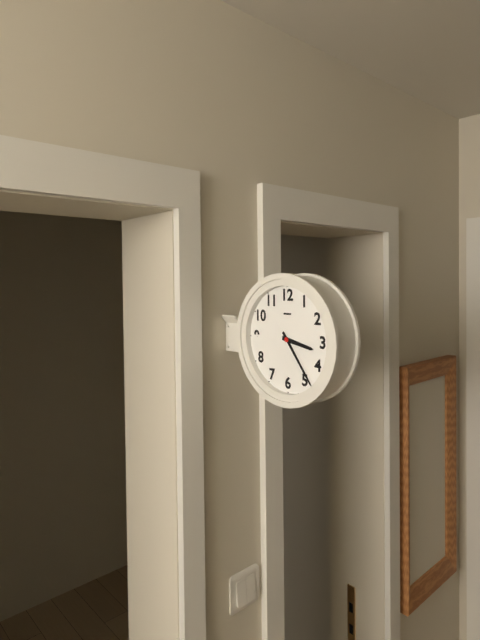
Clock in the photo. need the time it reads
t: 3:24
